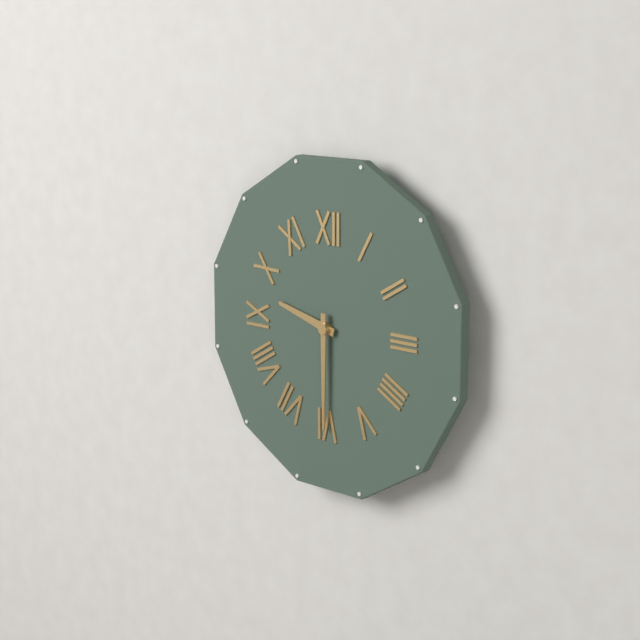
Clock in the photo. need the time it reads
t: 9:30
